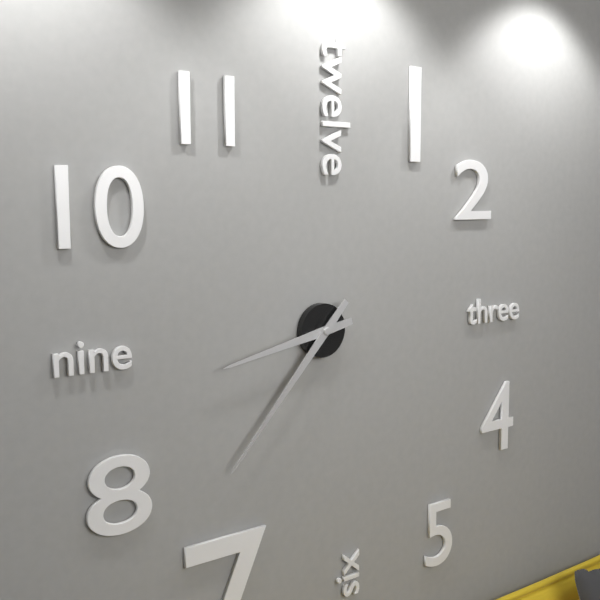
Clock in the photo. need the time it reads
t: 8:37
